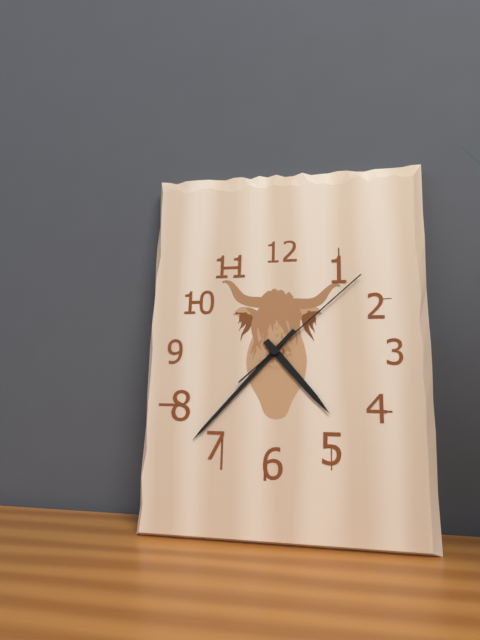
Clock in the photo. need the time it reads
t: 4:37:08
